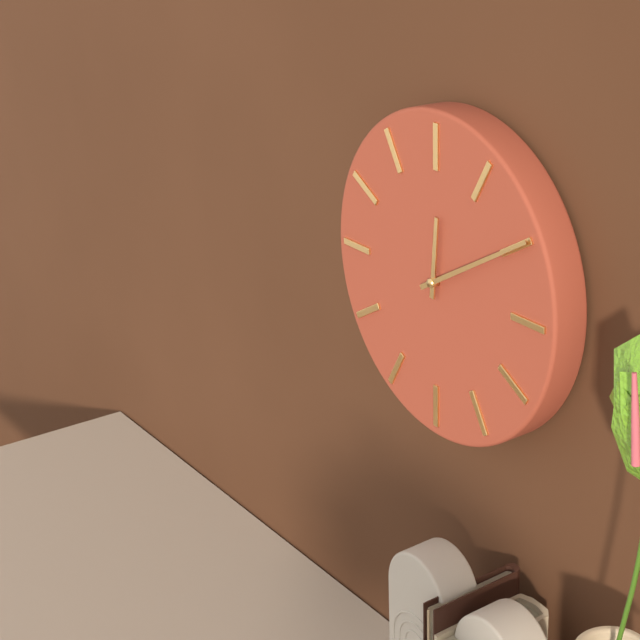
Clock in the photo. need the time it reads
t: 12:10
